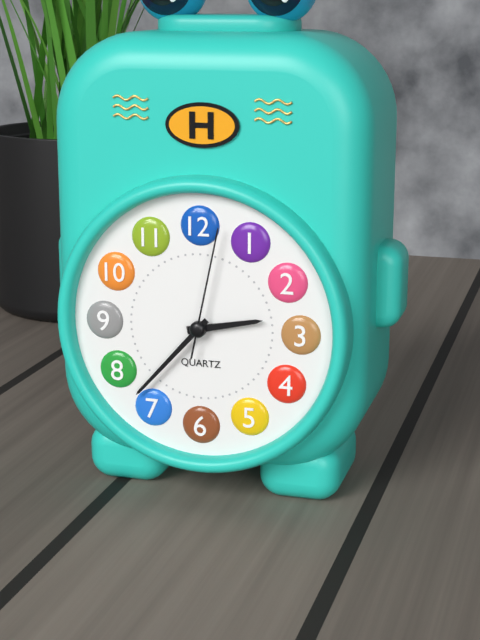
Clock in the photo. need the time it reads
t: 2:37:02
